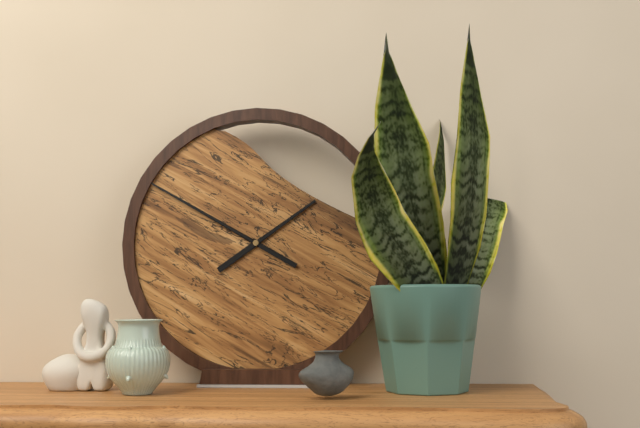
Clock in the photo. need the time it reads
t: 1:50
